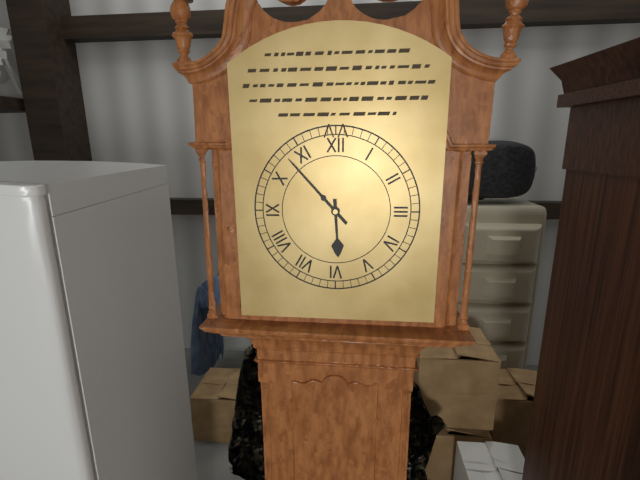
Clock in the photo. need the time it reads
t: 5:53
